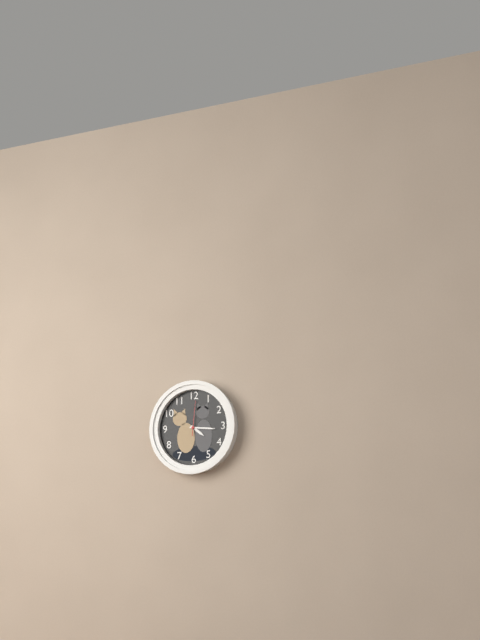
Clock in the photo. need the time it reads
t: 4:16
